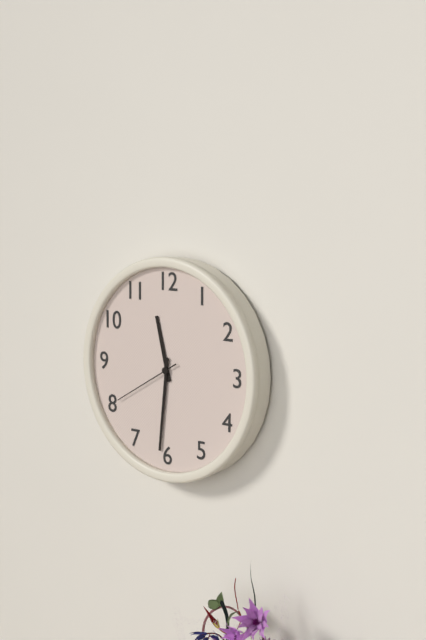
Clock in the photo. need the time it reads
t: 11:31:40
